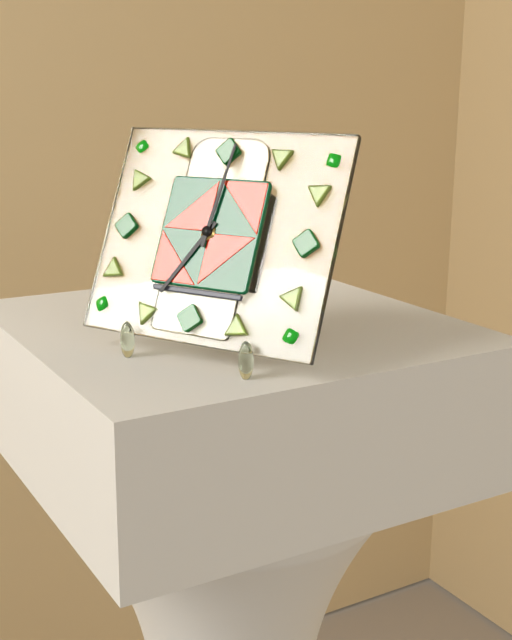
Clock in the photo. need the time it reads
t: 7:01
